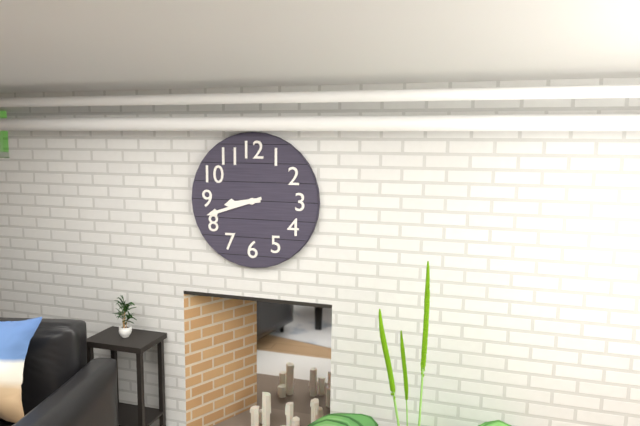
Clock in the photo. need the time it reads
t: 8:42
